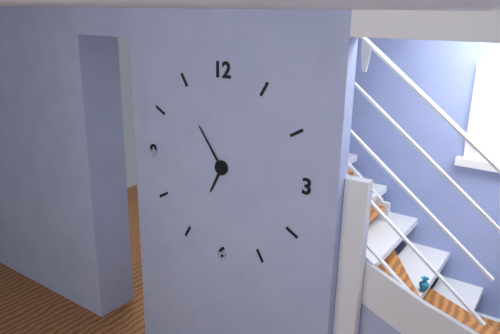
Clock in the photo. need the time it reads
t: 6:54
